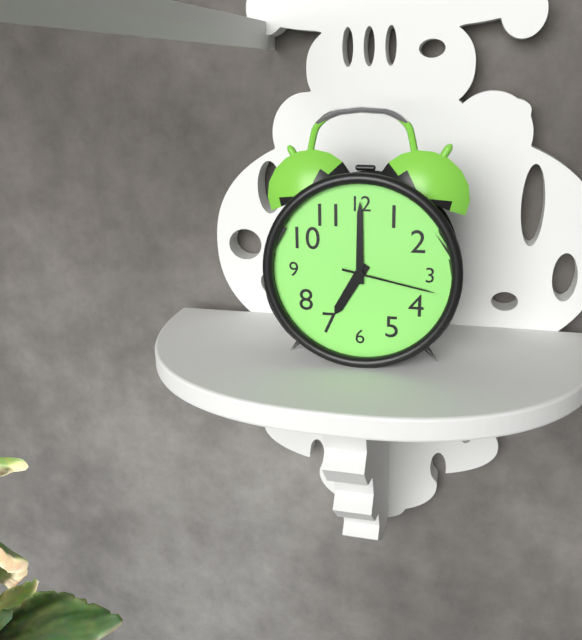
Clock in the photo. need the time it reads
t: 7:00:17
